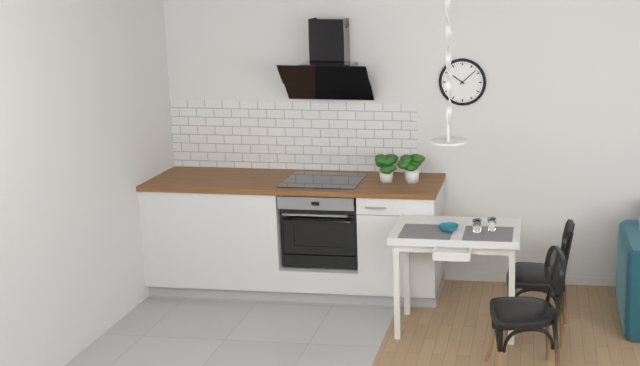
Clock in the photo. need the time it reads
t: 10:08
